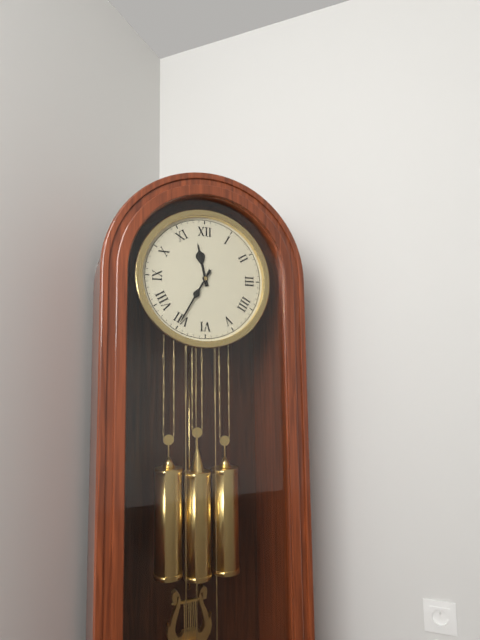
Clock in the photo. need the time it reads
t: 11:35
